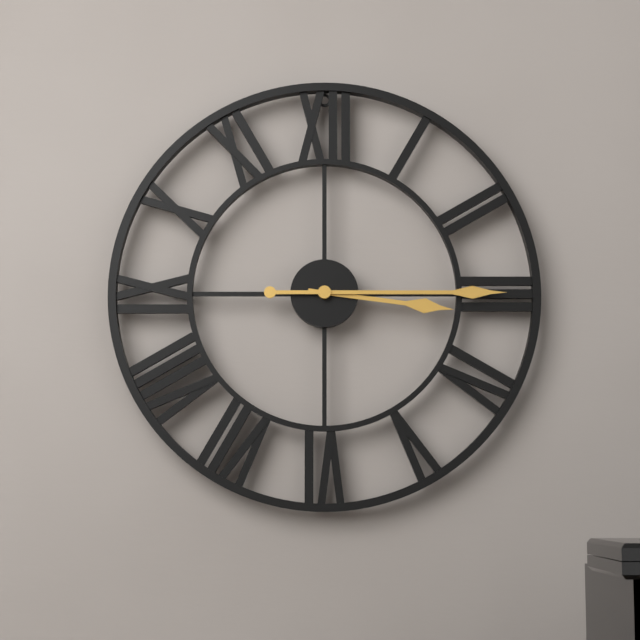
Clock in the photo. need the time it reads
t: 3:15
